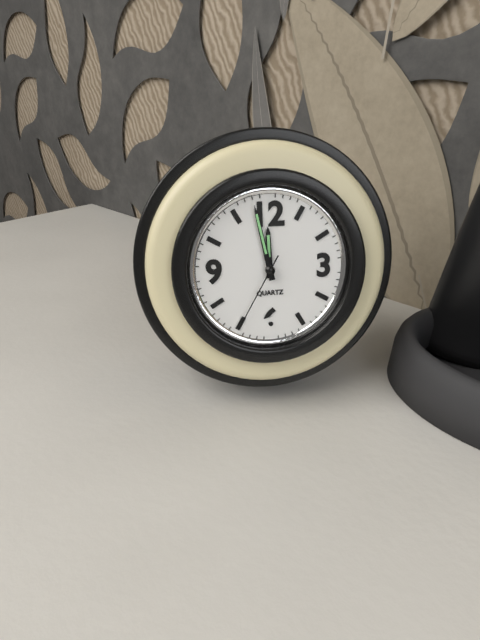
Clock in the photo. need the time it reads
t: 11:58:35
